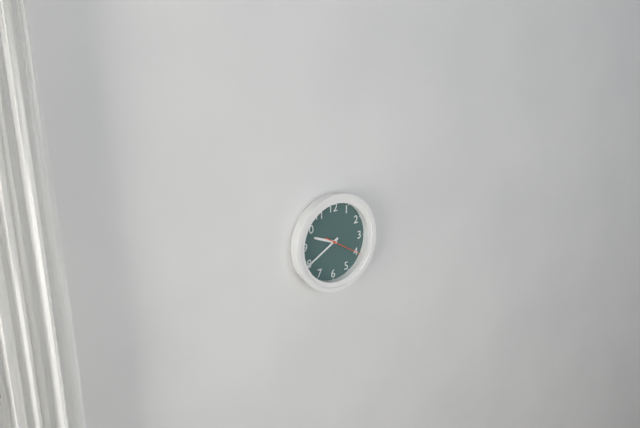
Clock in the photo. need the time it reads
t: 9:40
